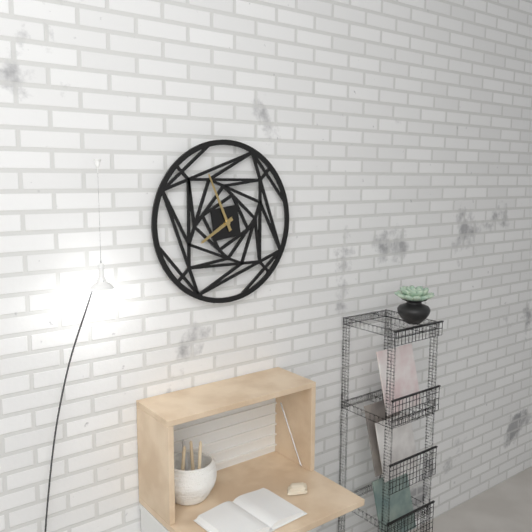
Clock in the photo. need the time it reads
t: 7:56
